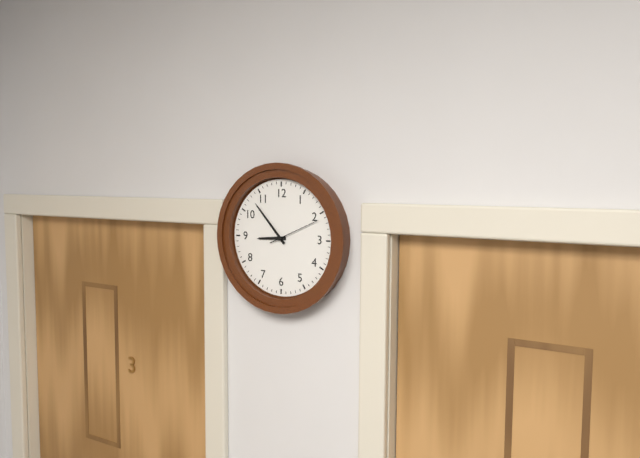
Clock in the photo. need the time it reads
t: 8:53:11
